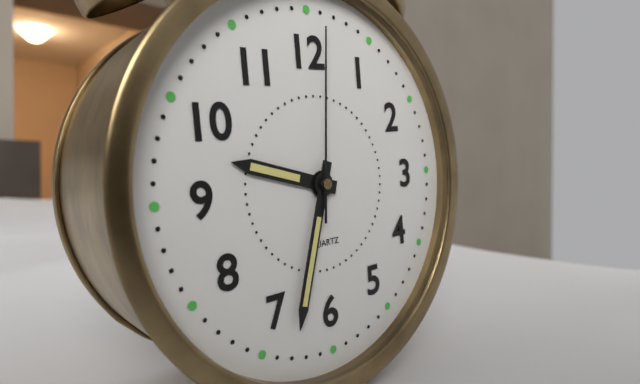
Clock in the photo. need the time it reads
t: 9:33:01
